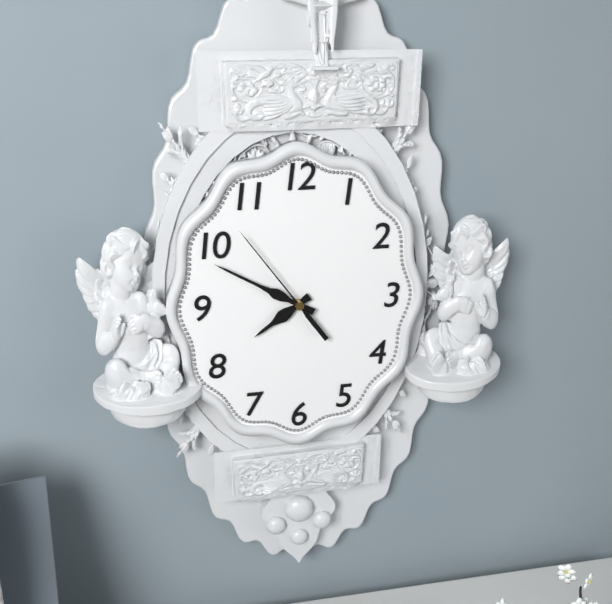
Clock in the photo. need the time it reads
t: 7:50:54
